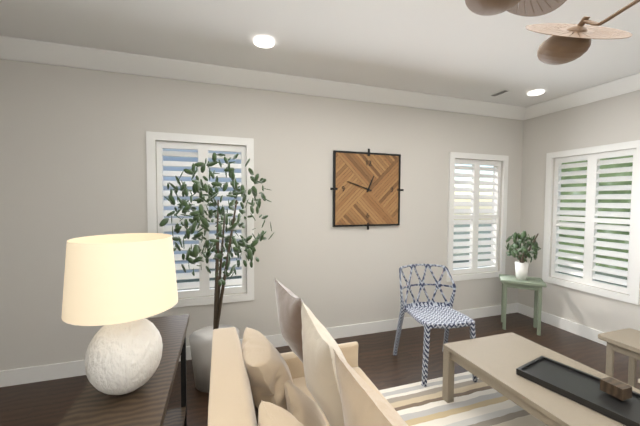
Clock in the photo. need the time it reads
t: 12:48
